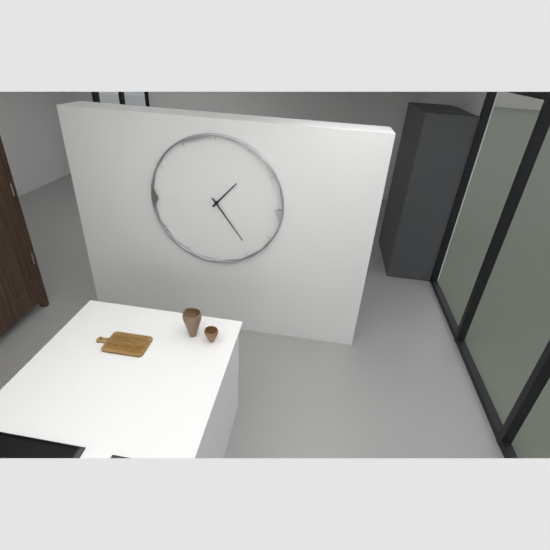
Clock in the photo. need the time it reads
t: 1:24
